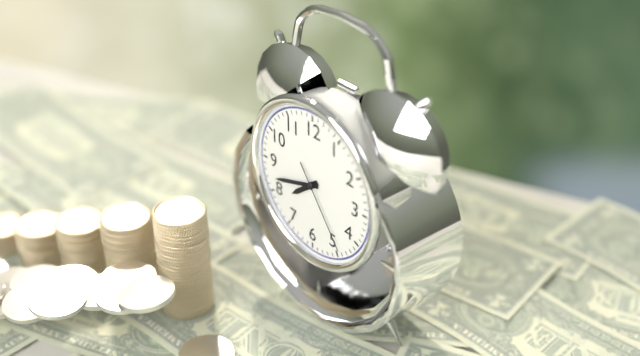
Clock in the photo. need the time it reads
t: 7:42:24
